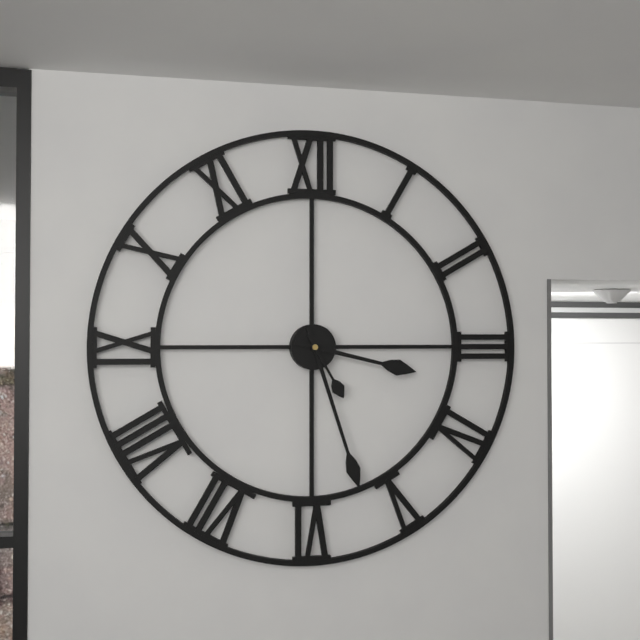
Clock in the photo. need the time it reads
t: 3:27:25
